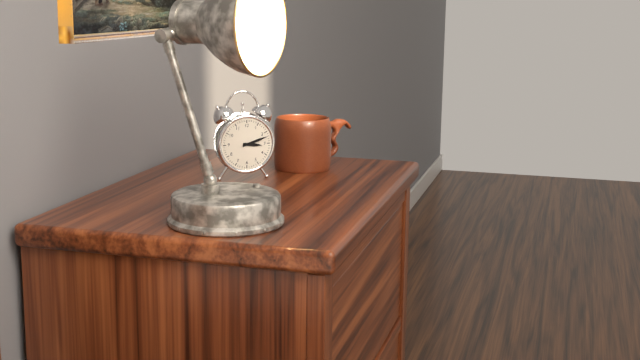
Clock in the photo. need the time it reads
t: 3:12
